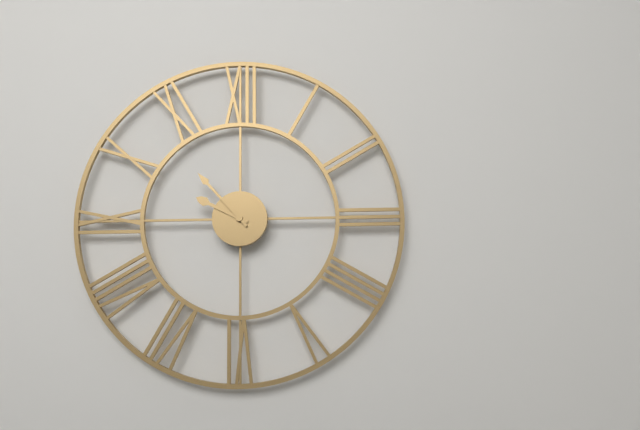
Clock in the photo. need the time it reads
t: 9:53
